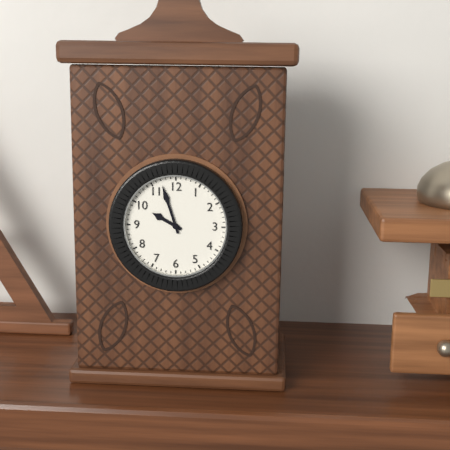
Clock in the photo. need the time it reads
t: 9:57
